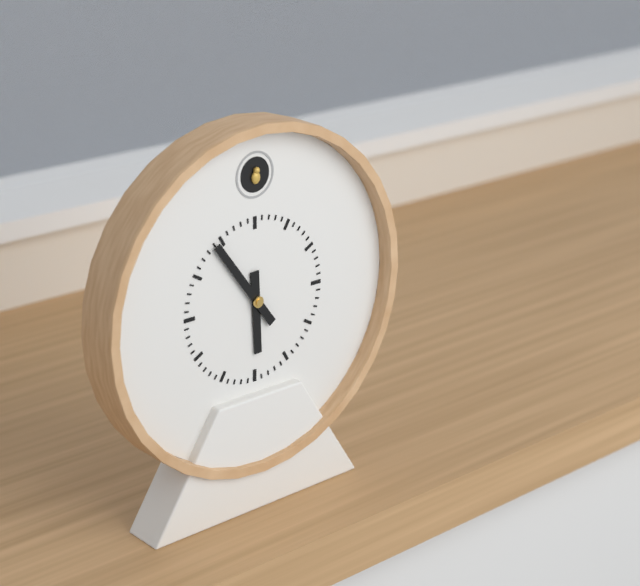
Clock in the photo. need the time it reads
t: 5:54
